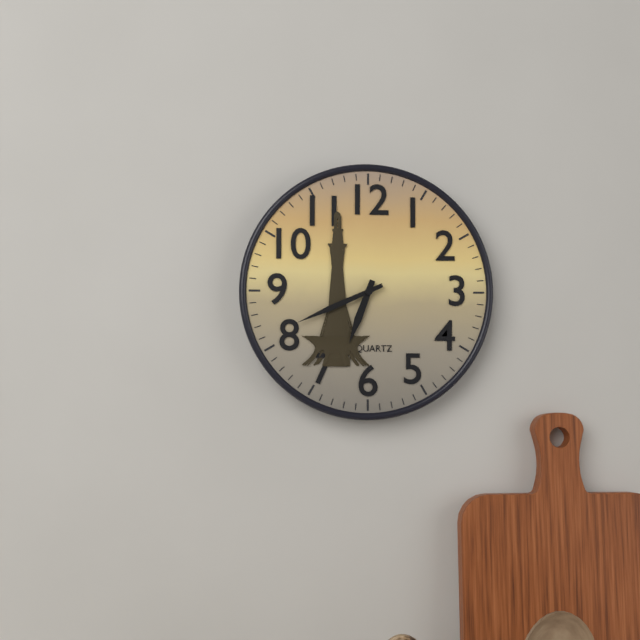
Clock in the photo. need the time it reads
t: 6:41
